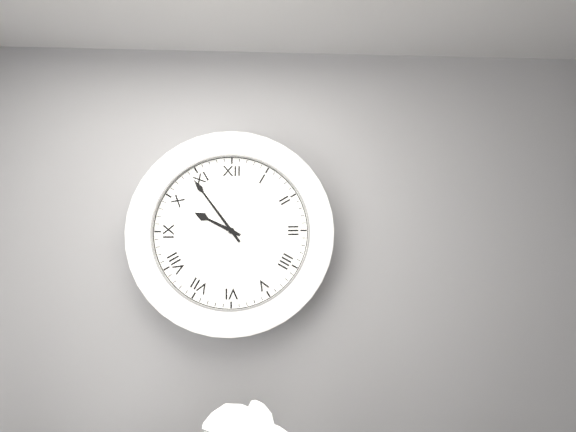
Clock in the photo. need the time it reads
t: 9:54
